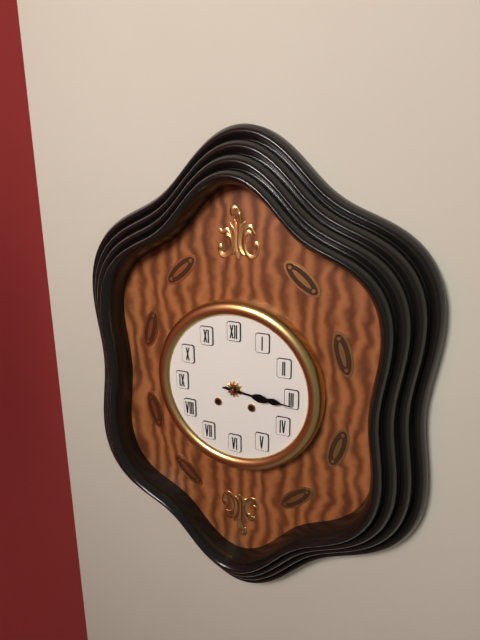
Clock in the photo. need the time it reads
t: 3:16
